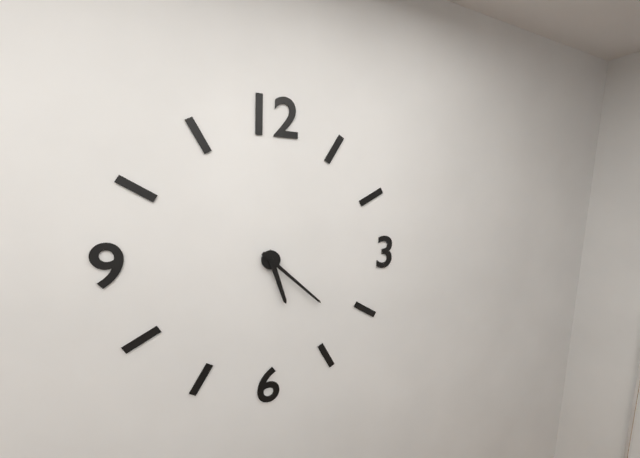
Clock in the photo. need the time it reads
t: 5:22
